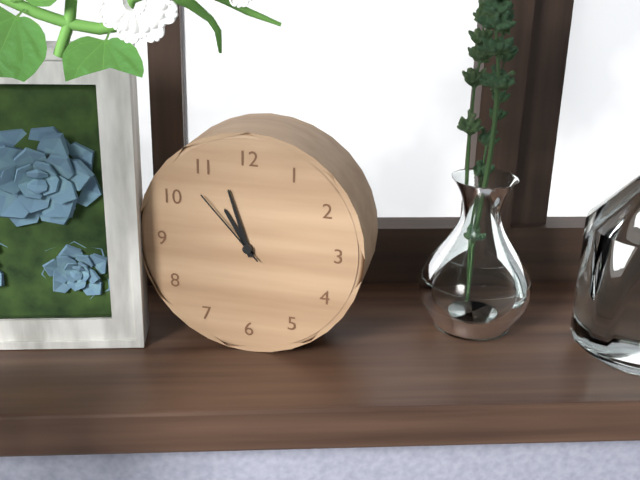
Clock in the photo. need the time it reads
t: 10:57:53
